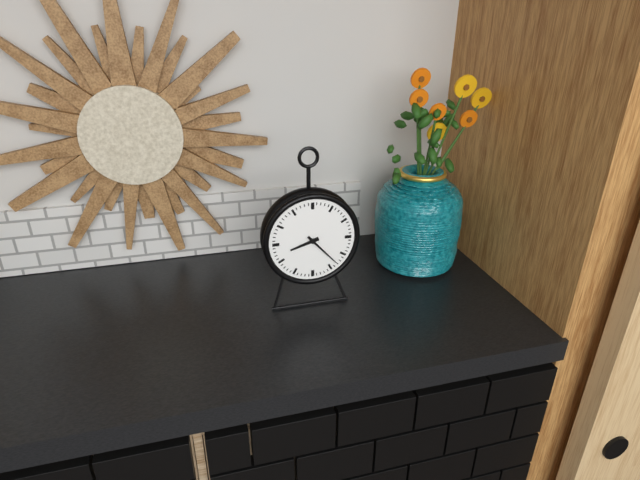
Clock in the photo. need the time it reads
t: 8:23
